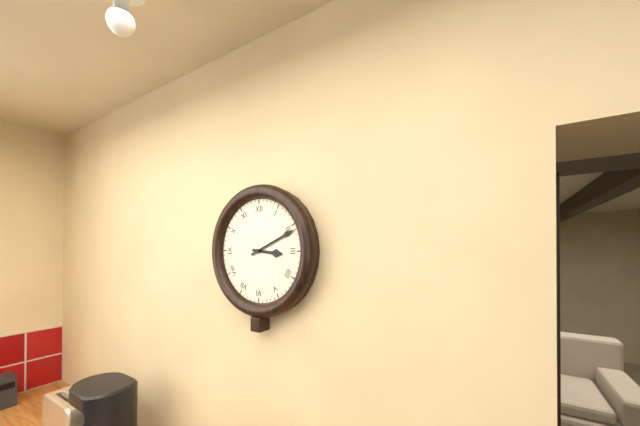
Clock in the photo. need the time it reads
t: 3:11
